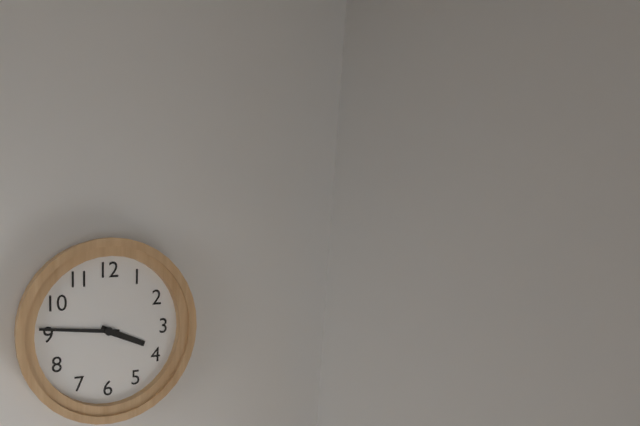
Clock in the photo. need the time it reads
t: 3:46
